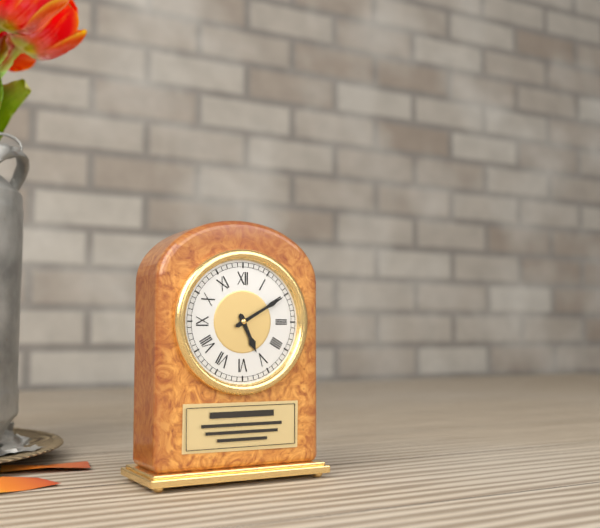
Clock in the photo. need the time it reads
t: 5:10
